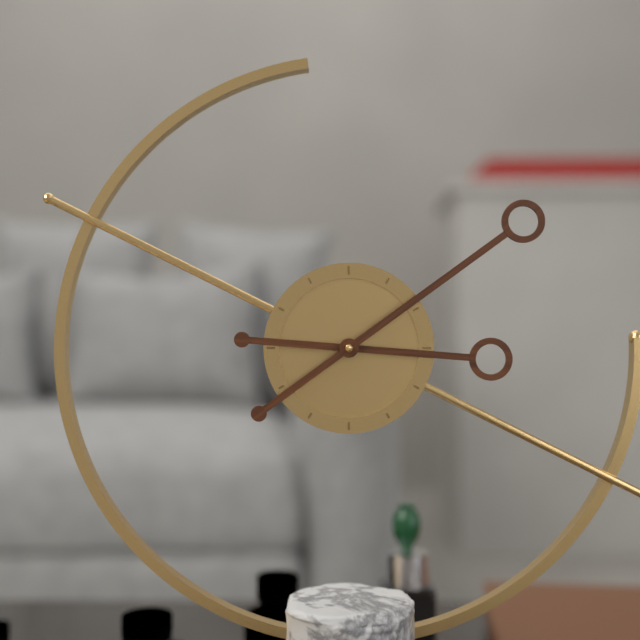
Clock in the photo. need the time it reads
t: 3:09
